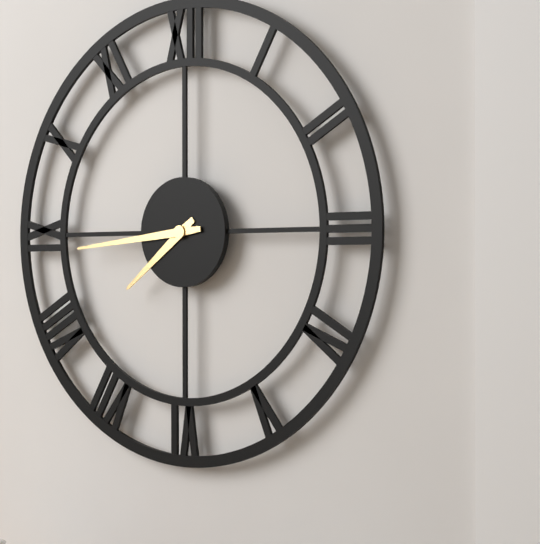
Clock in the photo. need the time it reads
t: 7:44
